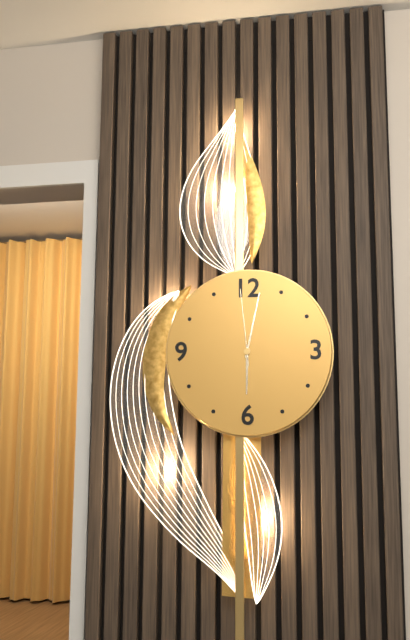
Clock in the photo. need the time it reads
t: 6:02:59
